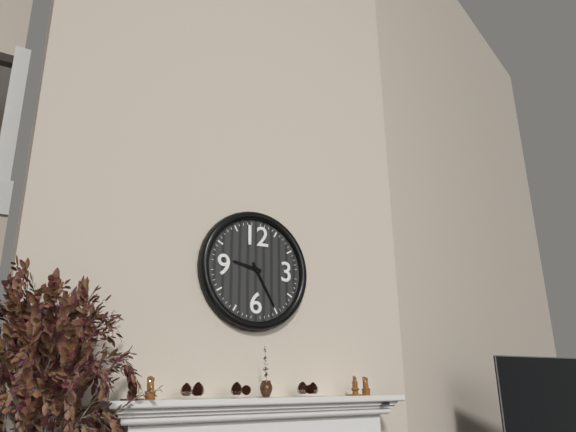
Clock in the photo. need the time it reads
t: 9:25
